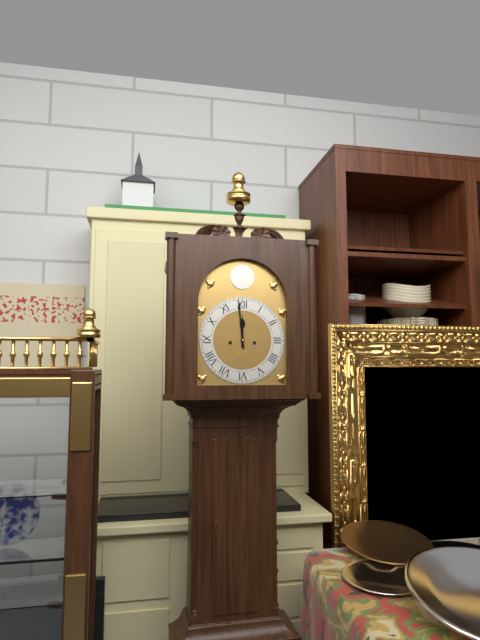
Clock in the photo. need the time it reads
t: 11:59
